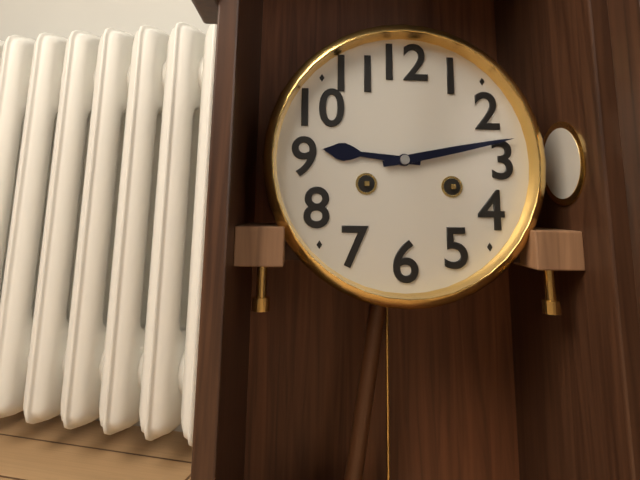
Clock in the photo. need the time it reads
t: 9:13
